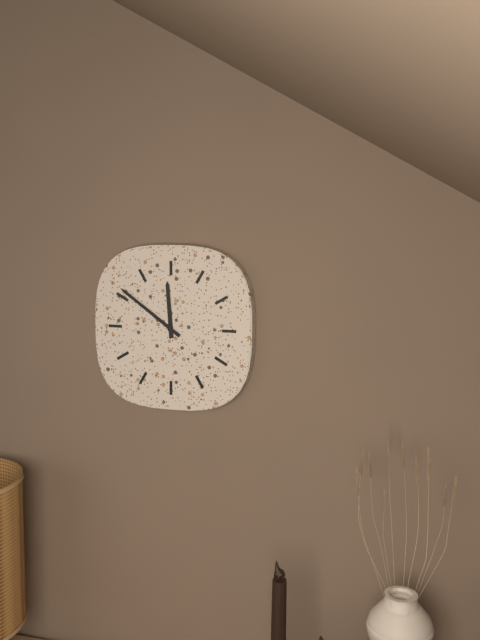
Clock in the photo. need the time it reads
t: 11:51
